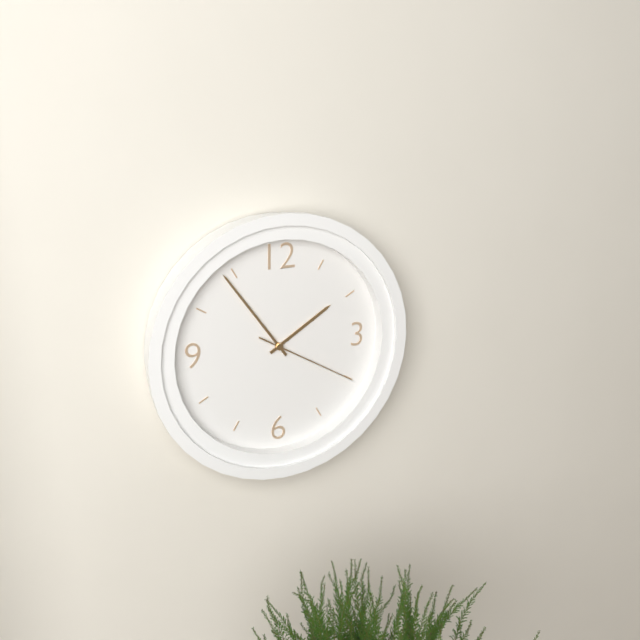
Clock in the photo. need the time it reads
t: 1:54:20
